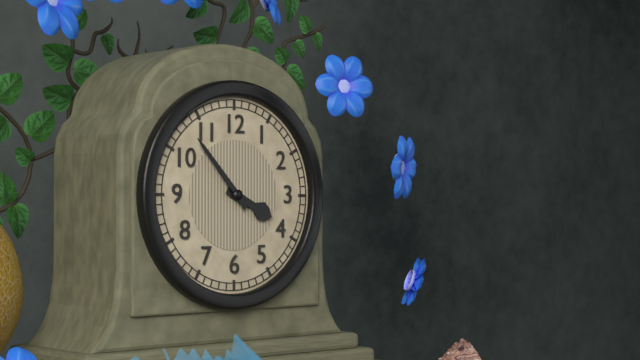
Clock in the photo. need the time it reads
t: 3:53
